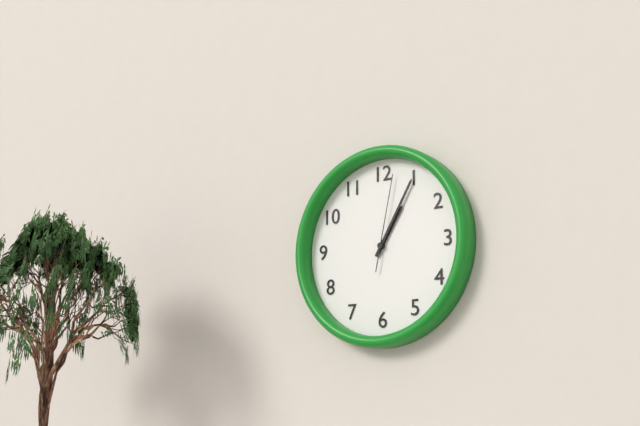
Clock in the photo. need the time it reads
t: 1:05:02
